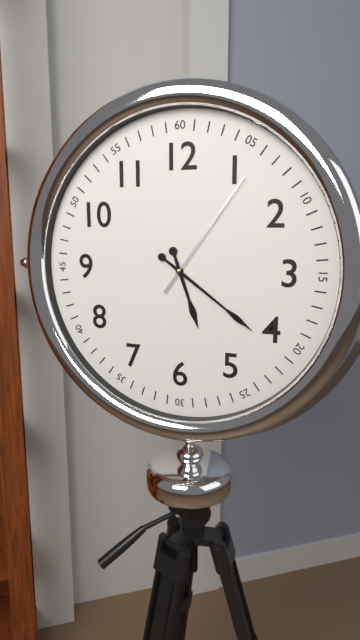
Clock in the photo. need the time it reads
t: 5:21:06
